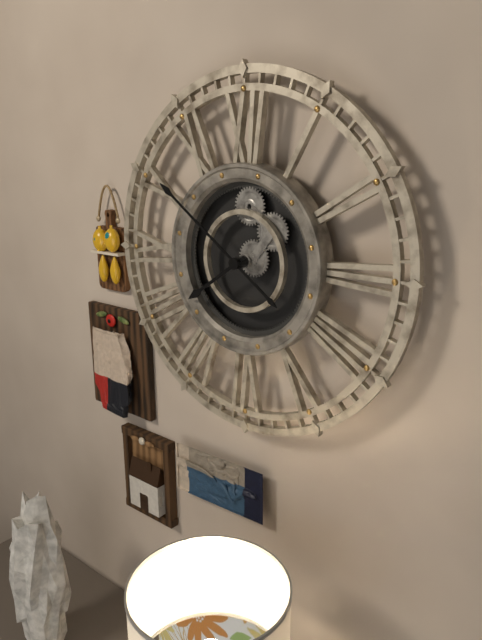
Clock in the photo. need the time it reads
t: 7:51
